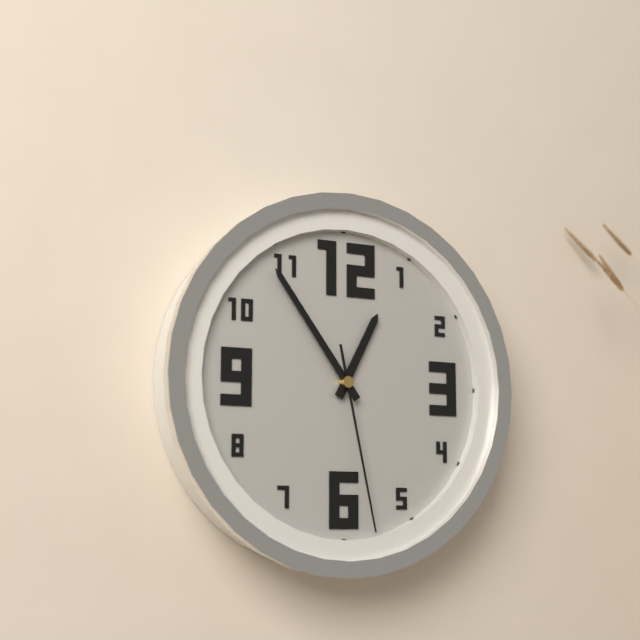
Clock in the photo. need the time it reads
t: 12:54:28
